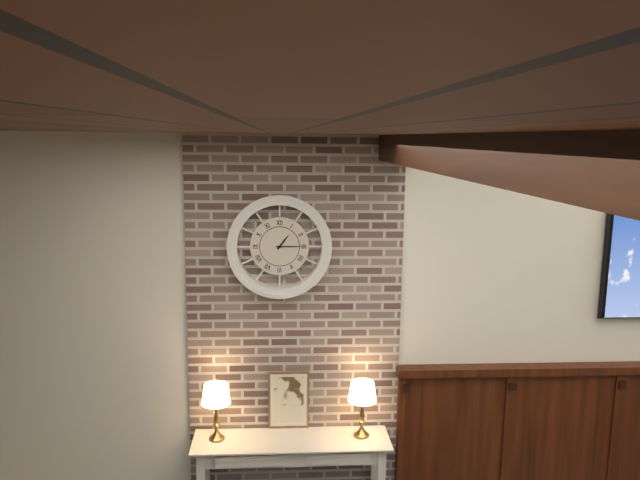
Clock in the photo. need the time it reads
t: 1:15
